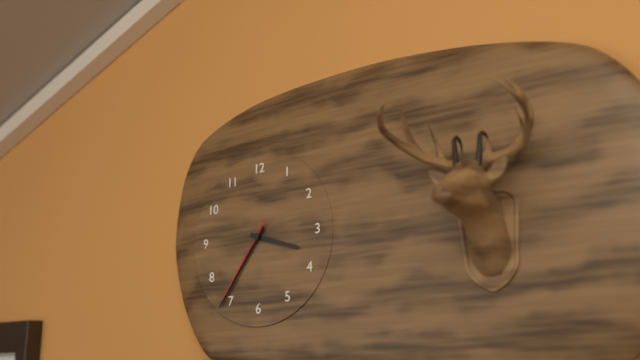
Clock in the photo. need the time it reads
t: 3:36:36
